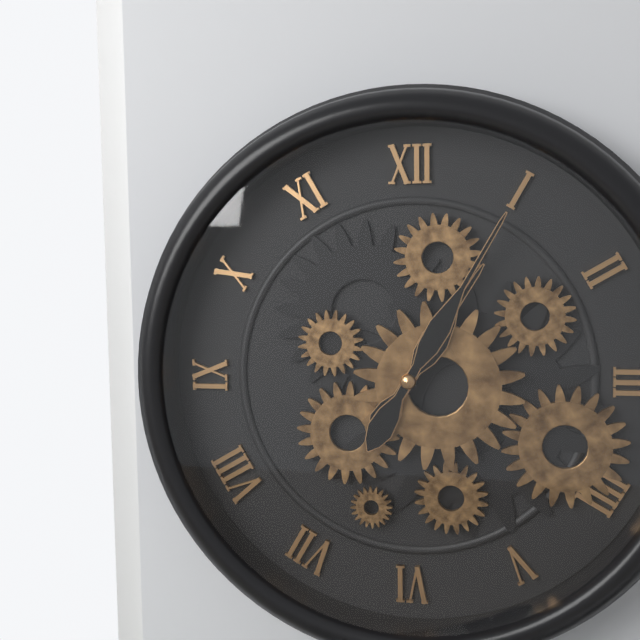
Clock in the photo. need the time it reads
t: 1:05
